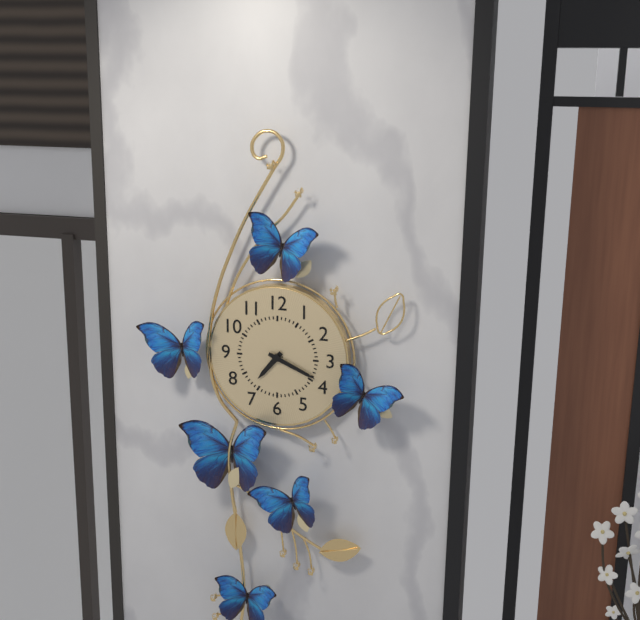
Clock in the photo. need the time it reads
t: 7:19
